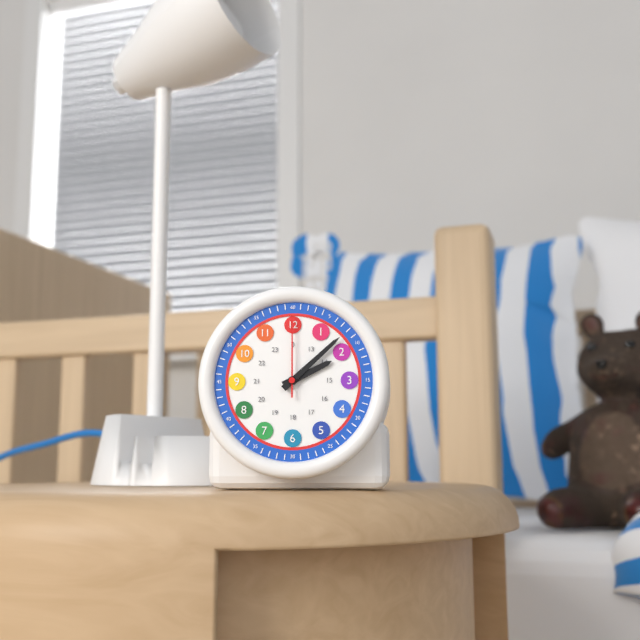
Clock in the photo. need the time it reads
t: 2:08:00
